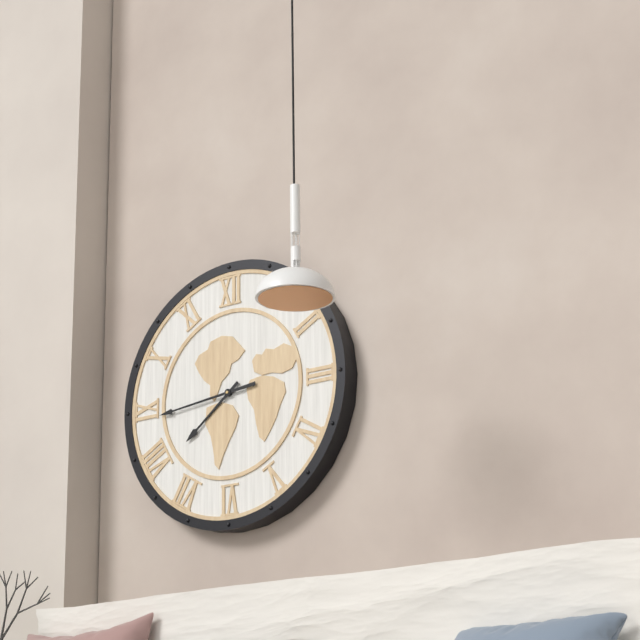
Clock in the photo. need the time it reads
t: 7:44
